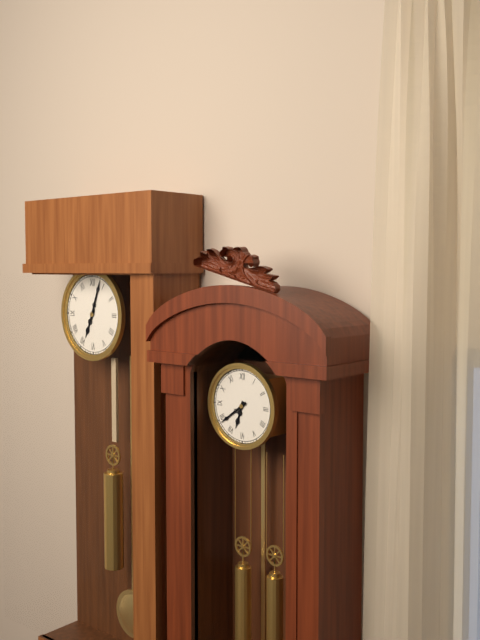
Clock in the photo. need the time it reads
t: 6:39
